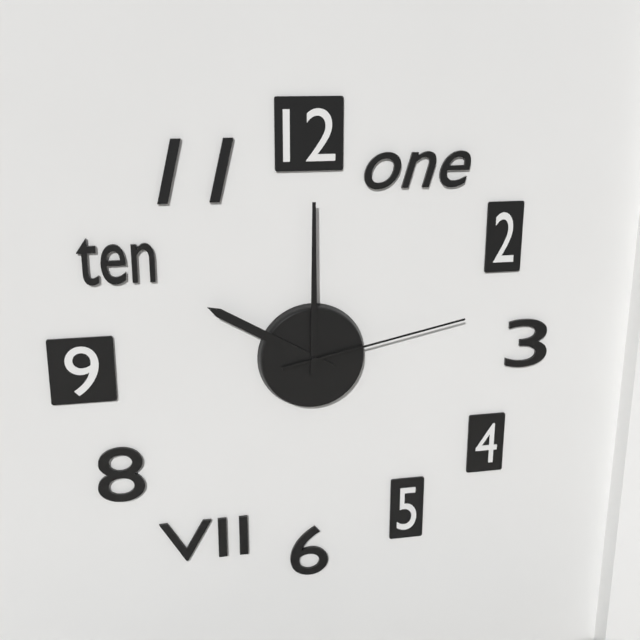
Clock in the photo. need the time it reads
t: 10:00:13
